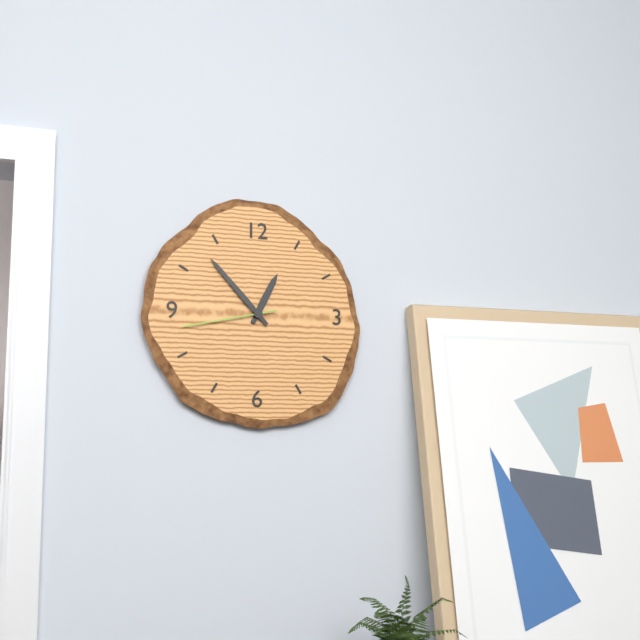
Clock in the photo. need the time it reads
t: 12:53:43
